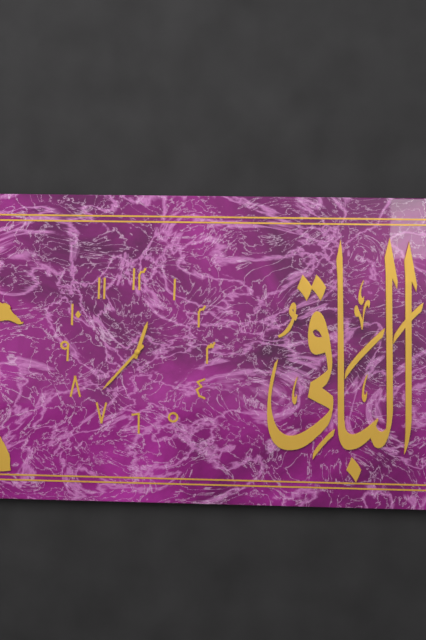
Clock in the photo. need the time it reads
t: 12:37
